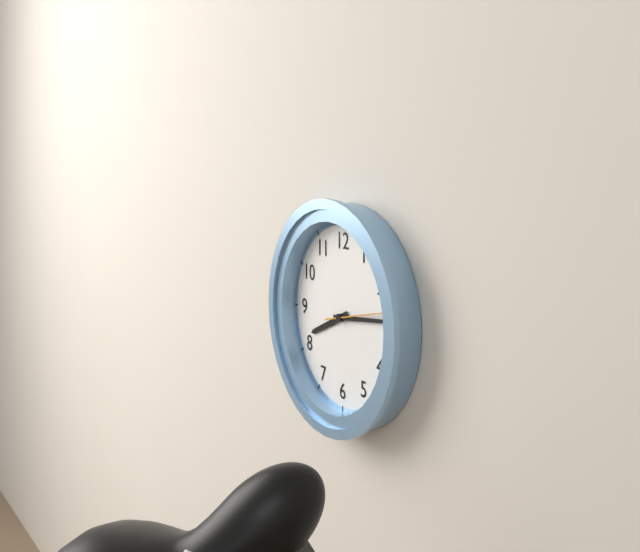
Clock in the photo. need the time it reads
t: 8:14:13
